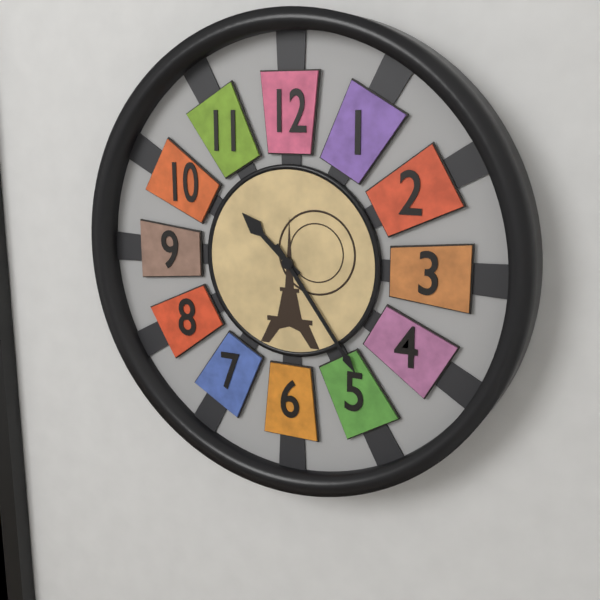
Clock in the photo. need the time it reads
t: 10:24
